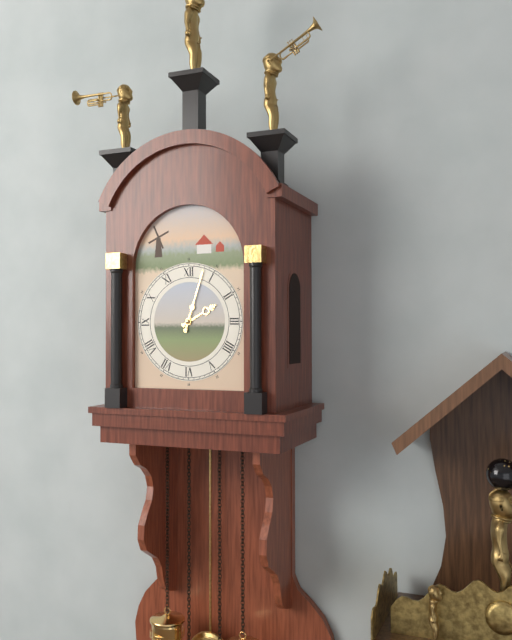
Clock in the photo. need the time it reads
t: 2:03
